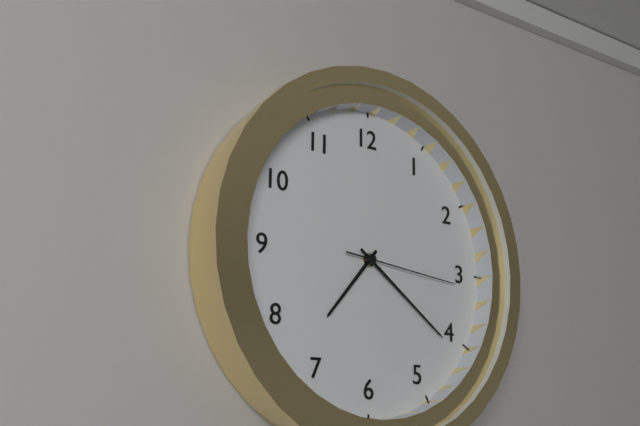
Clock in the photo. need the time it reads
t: 7:21:16
